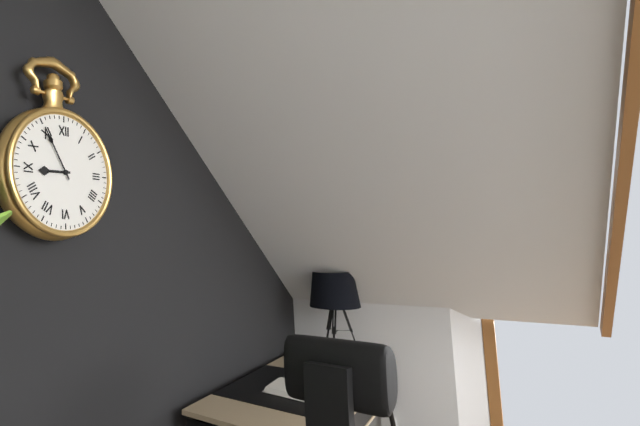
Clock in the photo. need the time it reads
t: 8:55
